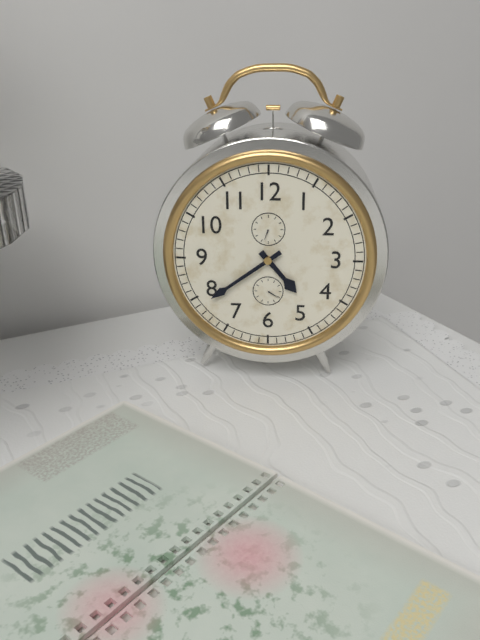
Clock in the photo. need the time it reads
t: 4:39
